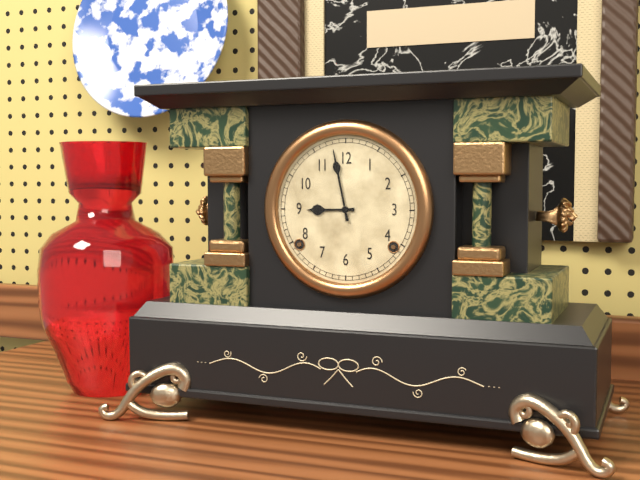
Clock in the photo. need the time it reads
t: 8:58
